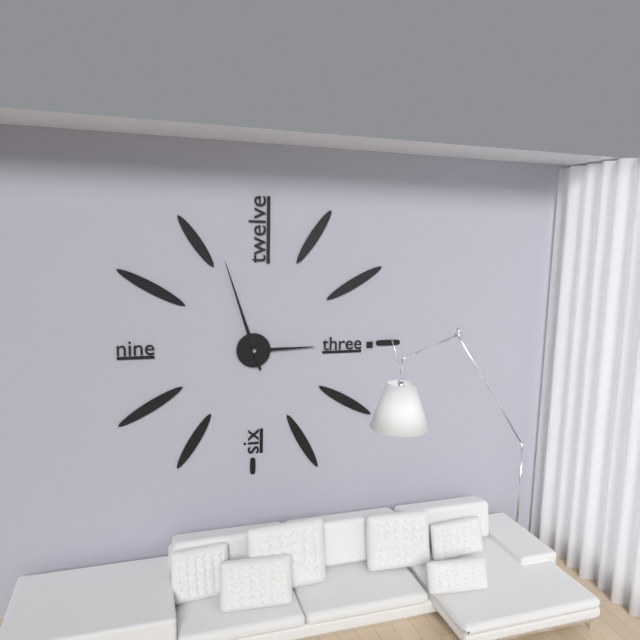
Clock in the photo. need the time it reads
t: 2:57
